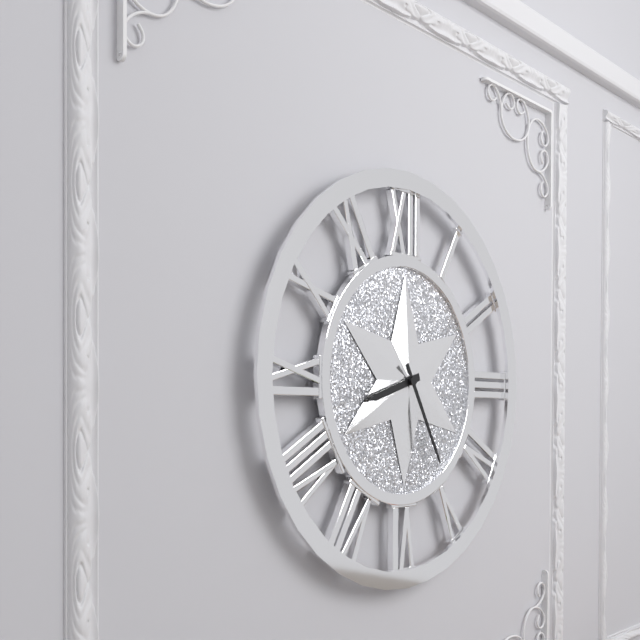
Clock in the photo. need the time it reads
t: 8:25
